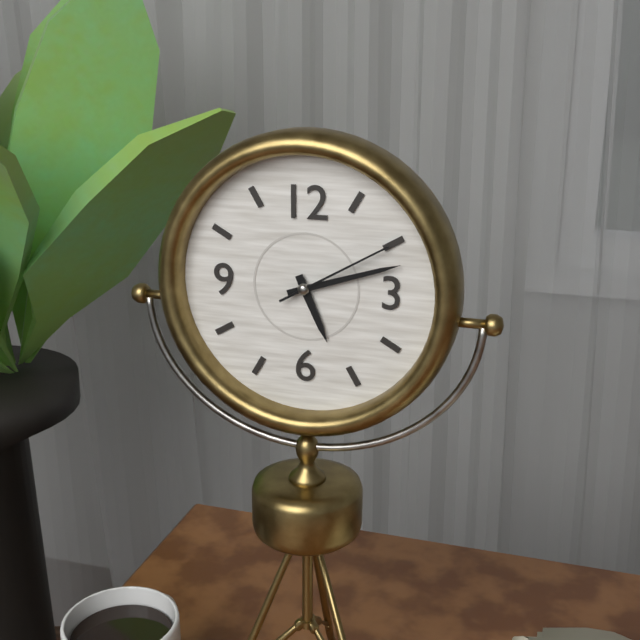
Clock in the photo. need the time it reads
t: 5:12:10
